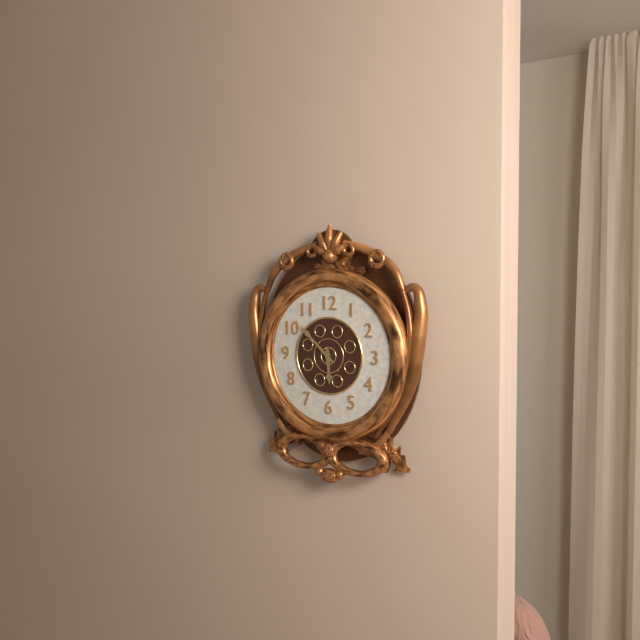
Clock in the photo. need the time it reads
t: 5:52
